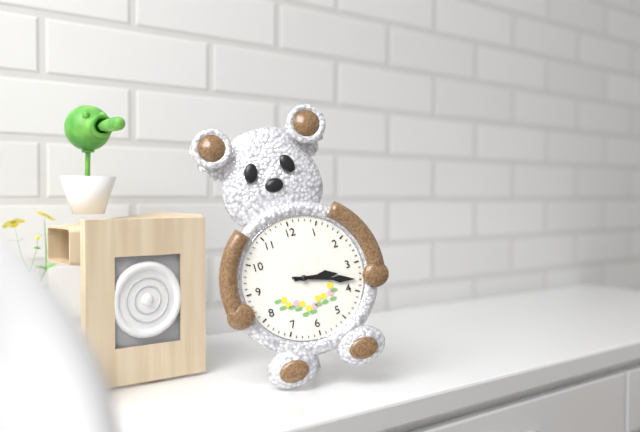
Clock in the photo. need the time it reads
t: 3:18
